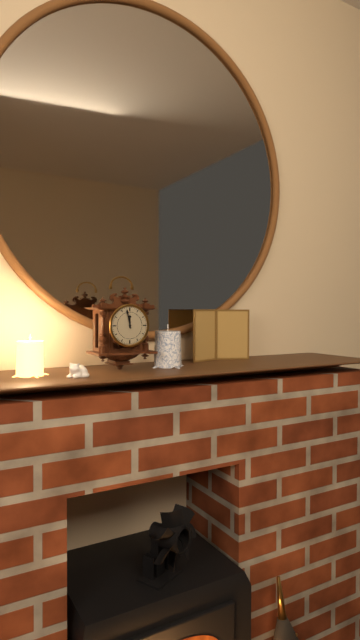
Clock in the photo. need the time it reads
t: 11:58
